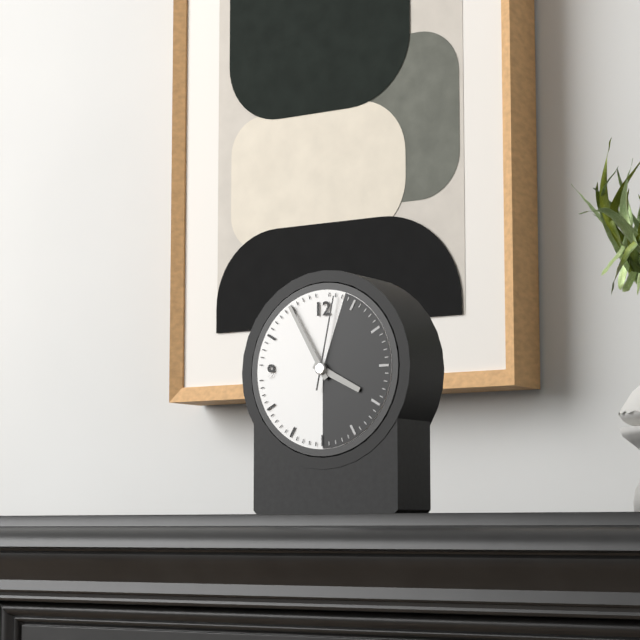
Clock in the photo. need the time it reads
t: 3:55:02
